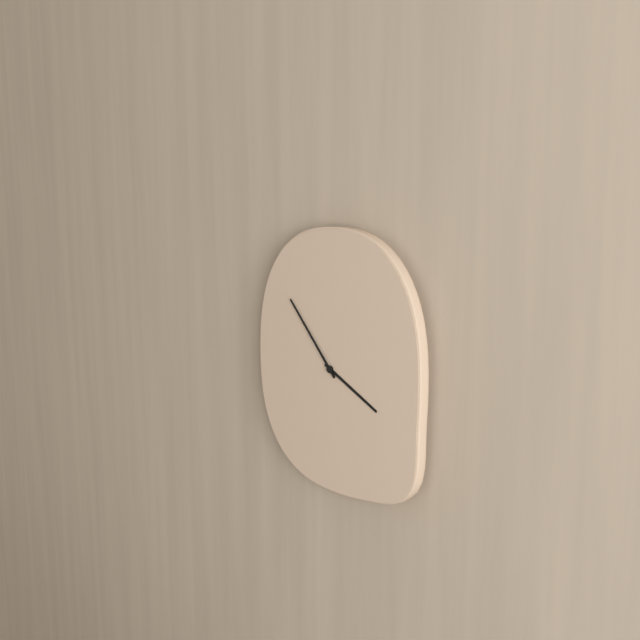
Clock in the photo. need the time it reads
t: 3:53
